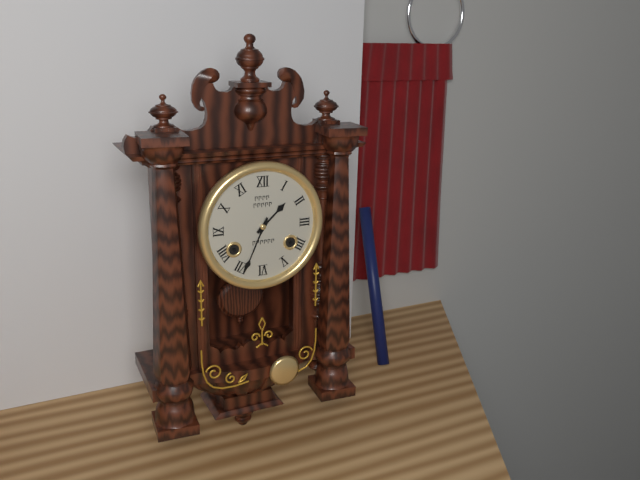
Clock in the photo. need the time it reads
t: 1:34
